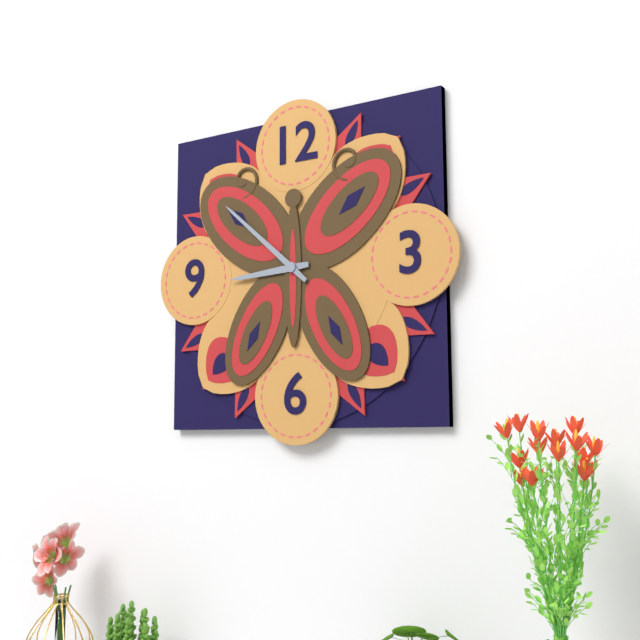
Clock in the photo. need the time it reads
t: 8:52
